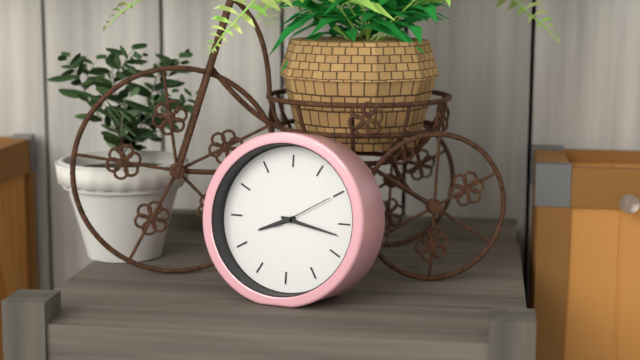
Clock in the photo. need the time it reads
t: 8:17:10
